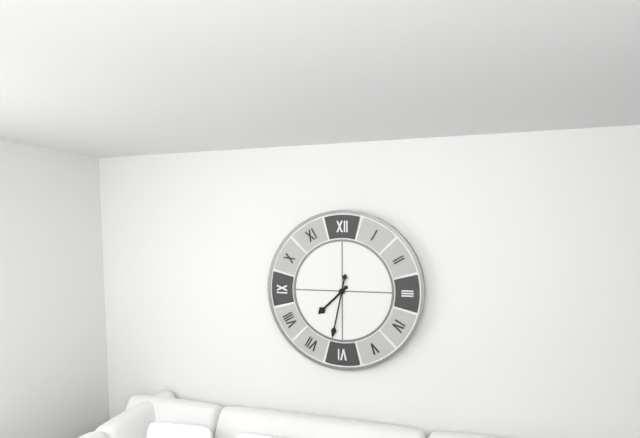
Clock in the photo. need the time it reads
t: 7:32
